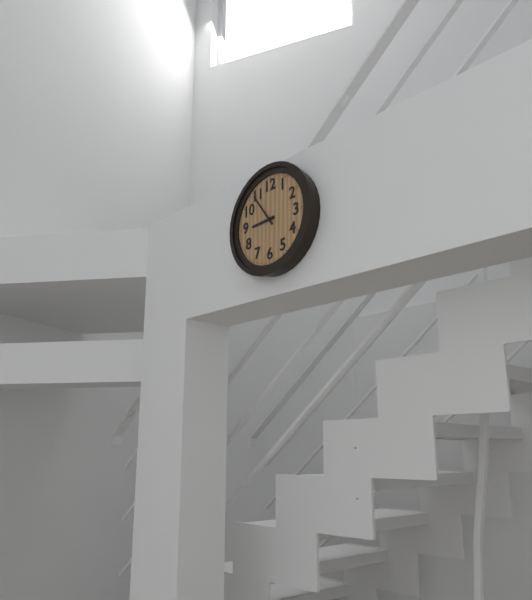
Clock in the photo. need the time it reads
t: 8:54
